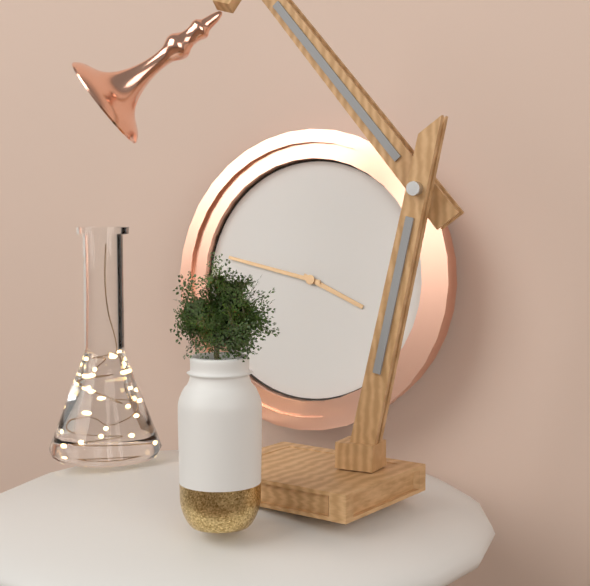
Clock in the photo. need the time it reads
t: 3:47
